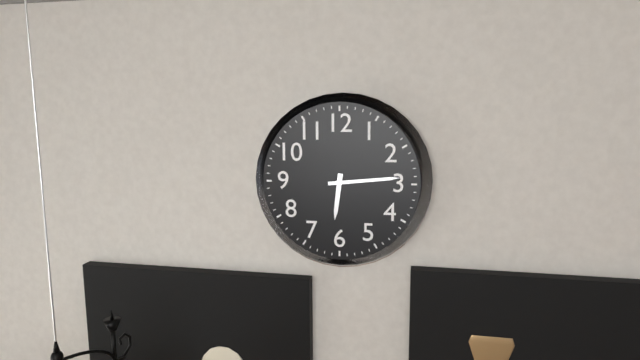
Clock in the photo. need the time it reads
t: 6:14
